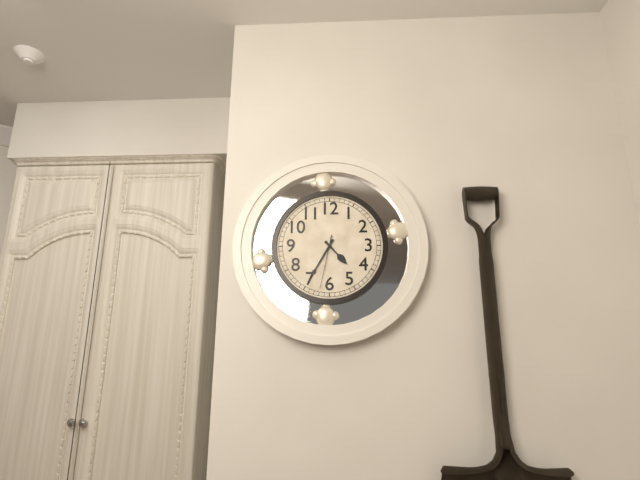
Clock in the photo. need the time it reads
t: 4:35:32
